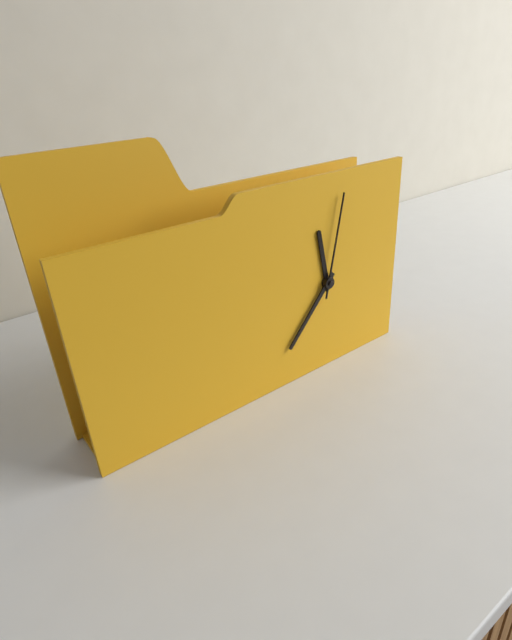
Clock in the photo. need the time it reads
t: 11:37:02
